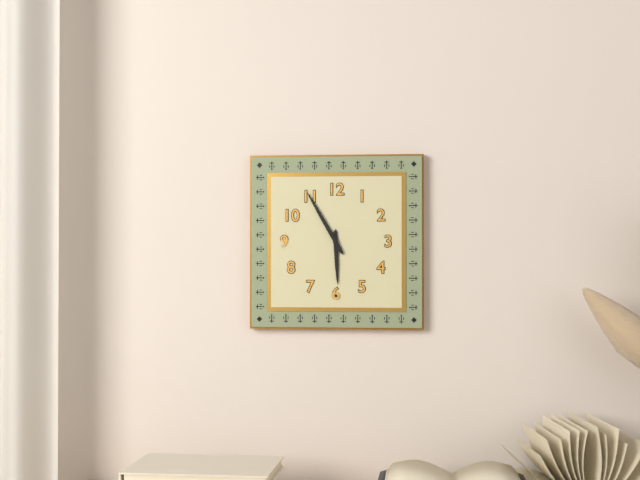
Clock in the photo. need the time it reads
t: 5:55
